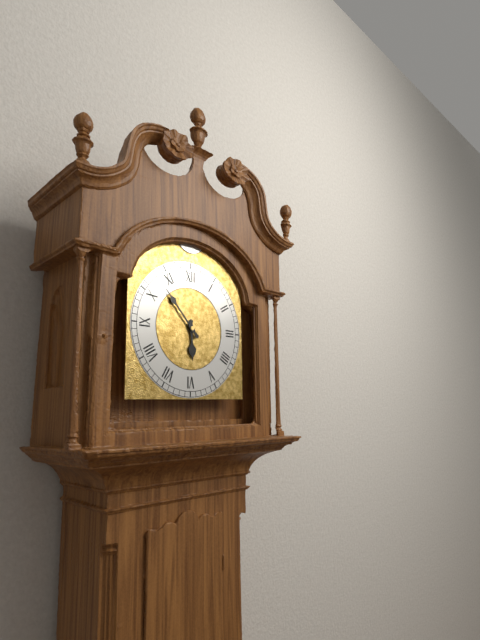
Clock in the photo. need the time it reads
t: 5:53
